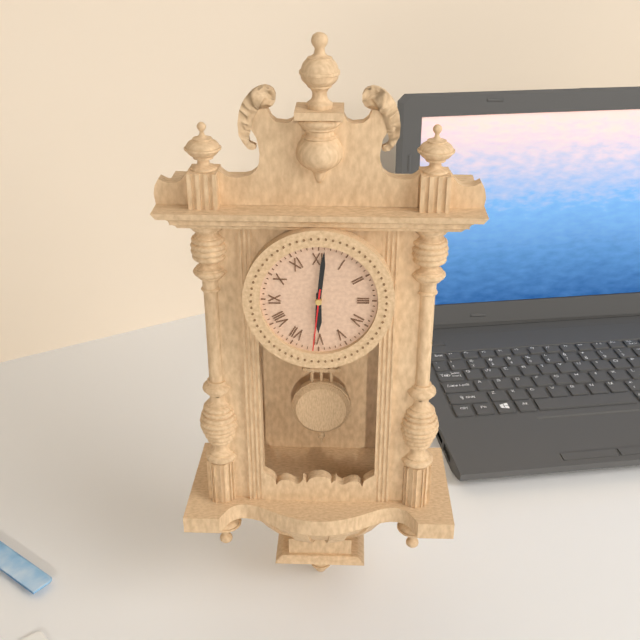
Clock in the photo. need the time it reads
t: 6:01:31
